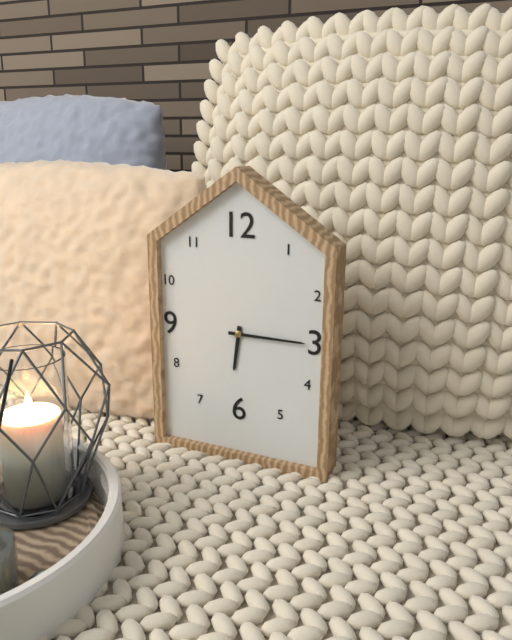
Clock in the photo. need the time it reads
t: 6:15
